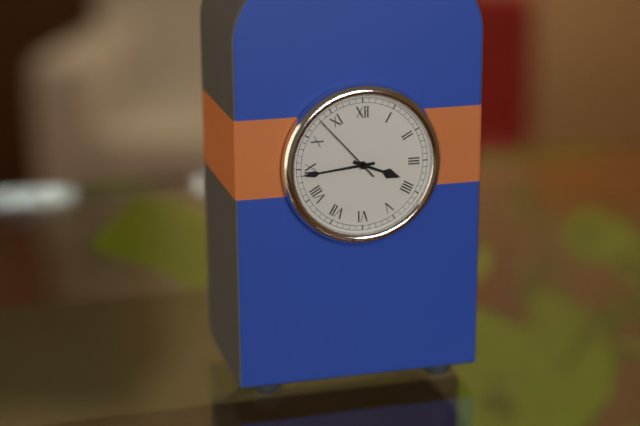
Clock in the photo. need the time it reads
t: 3:44:53
